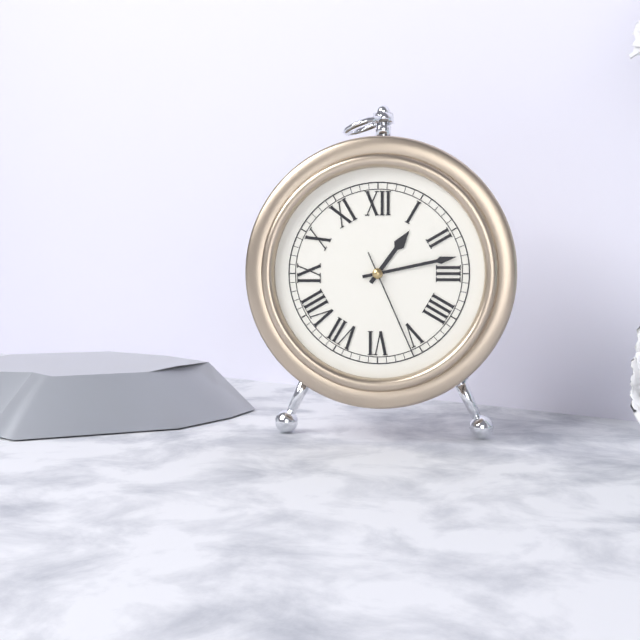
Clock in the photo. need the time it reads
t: 1:13:26
